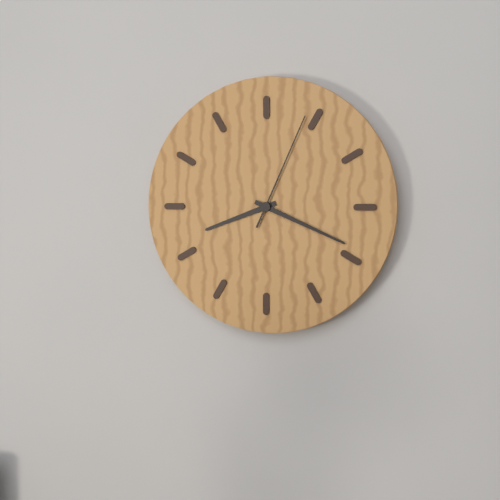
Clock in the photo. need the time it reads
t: 8:19:04
